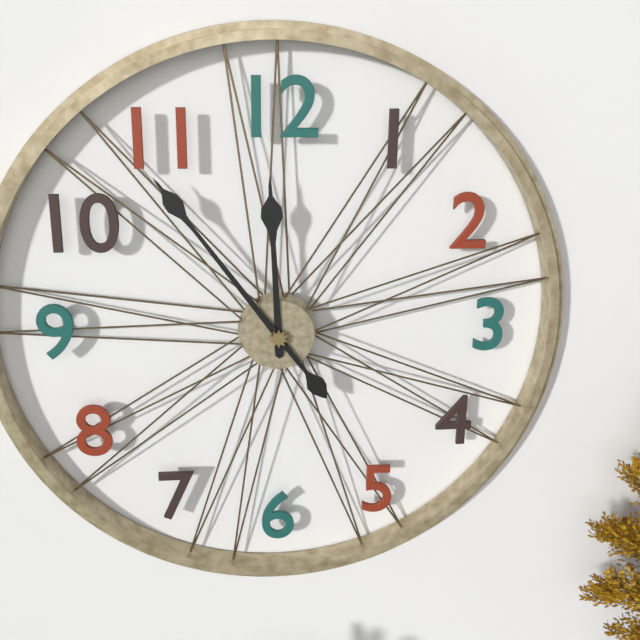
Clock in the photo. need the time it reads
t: 11:54
